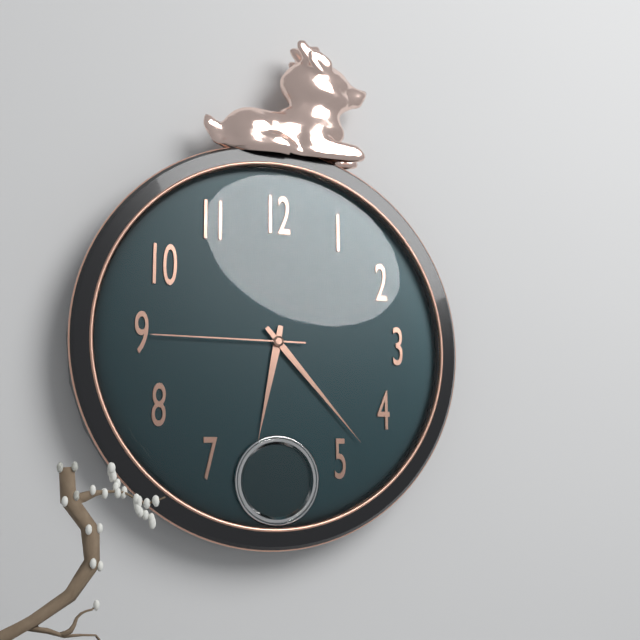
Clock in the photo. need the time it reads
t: 6:23:45
